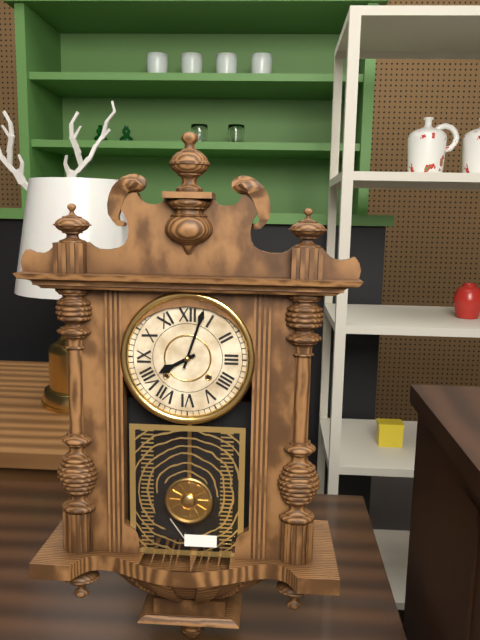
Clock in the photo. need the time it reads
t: 8:03
